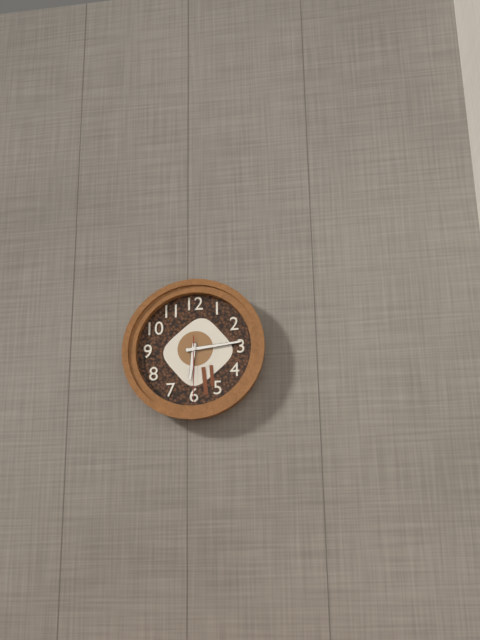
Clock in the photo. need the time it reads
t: 6:14:30
